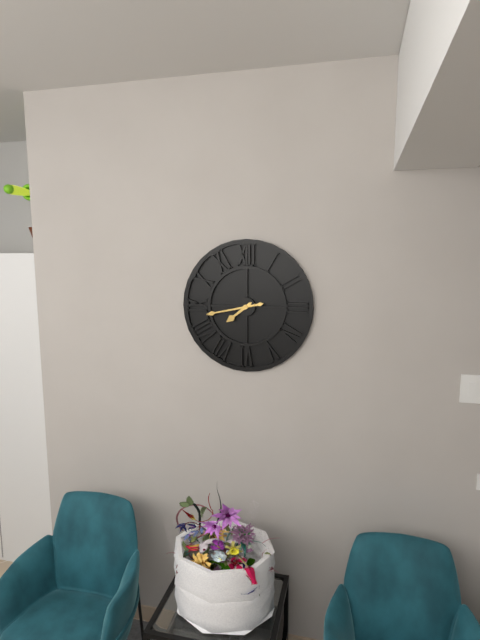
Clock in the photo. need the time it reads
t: 7:43
